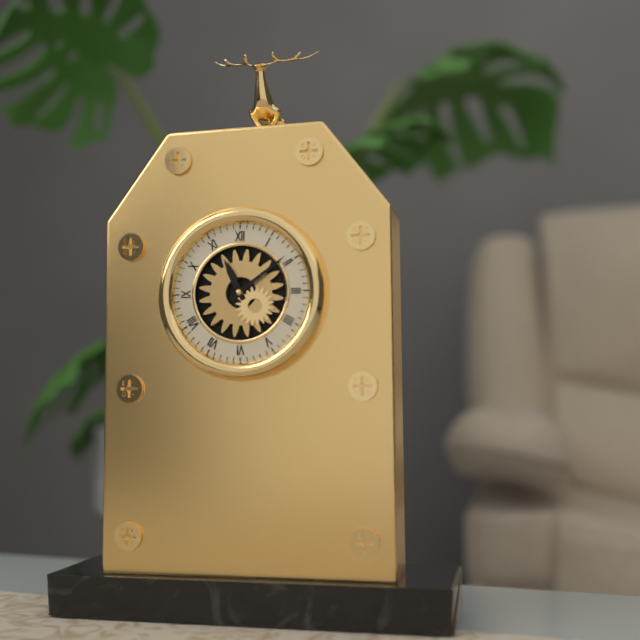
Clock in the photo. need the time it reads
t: 11:09
